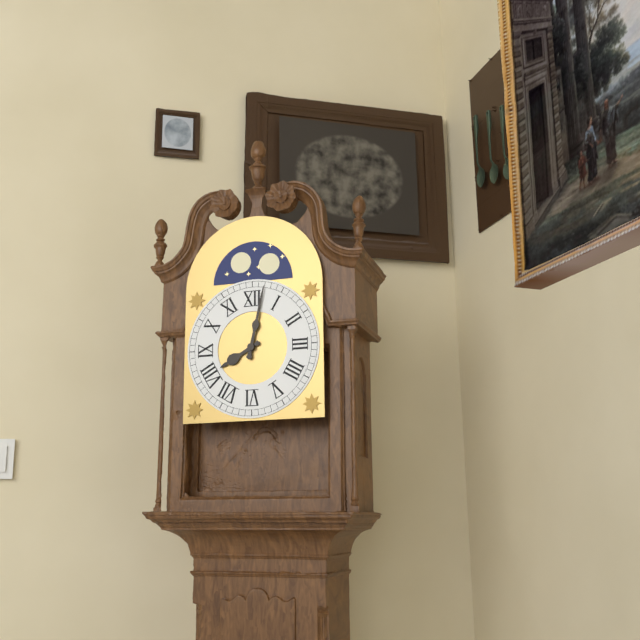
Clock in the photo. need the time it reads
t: 8:02
